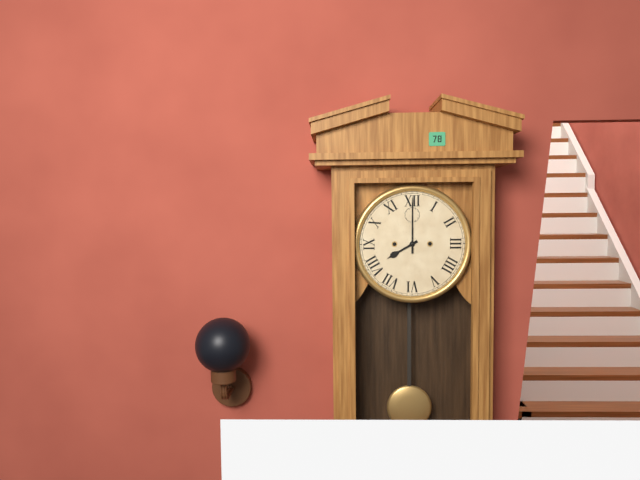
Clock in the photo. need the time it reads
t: 8:00
